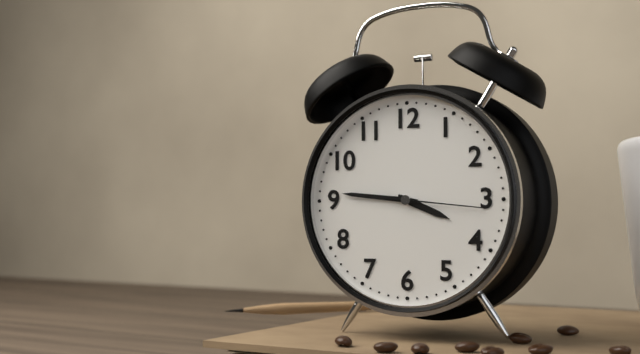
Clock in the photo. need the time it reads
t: 3:46:16
